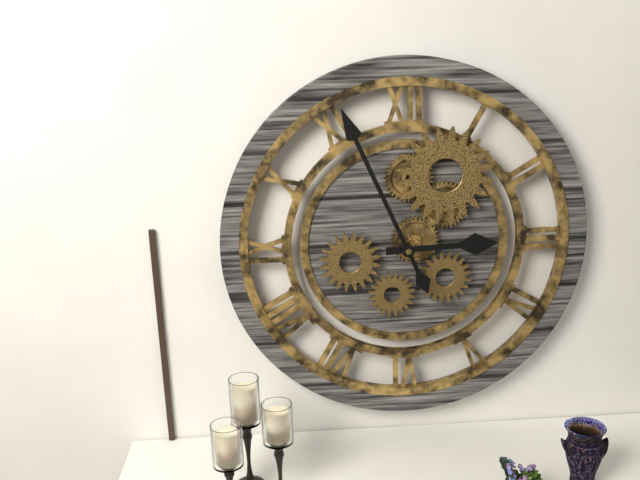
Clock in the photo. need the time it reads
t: 2:56
